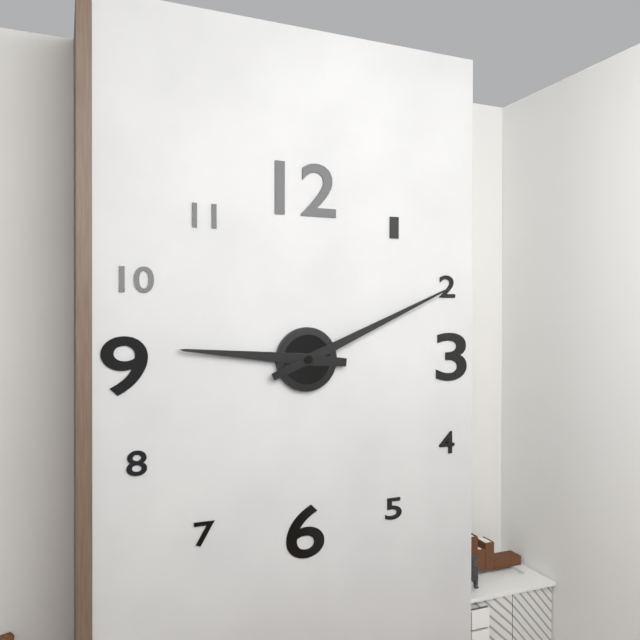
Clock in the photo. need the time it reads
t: 9:11
